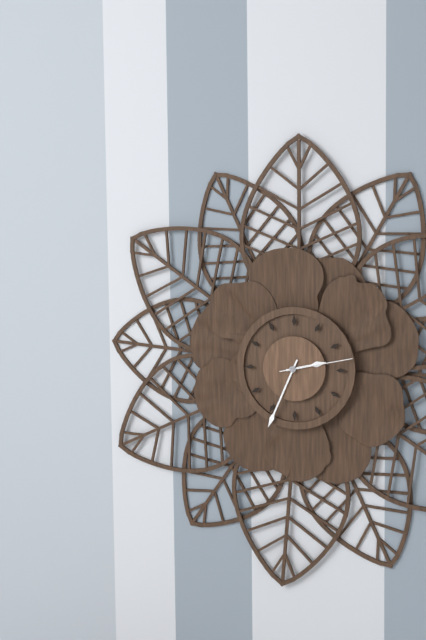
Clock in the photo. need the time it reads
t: 2:34:13
